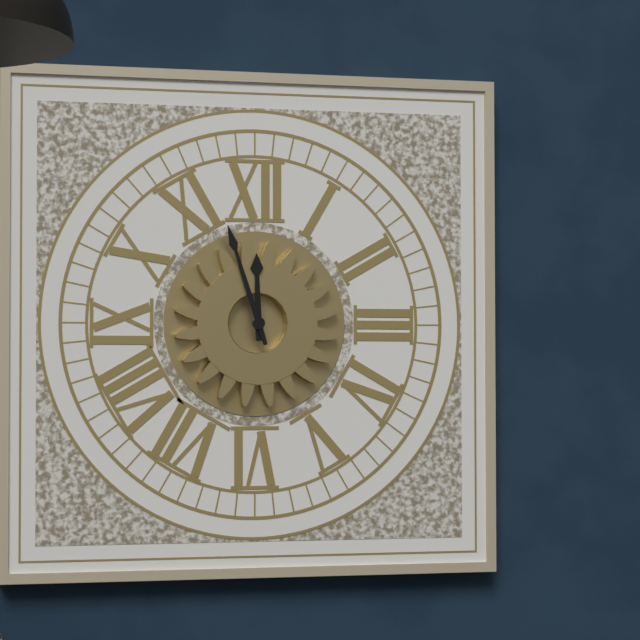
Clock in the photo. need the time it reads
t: 11:57
